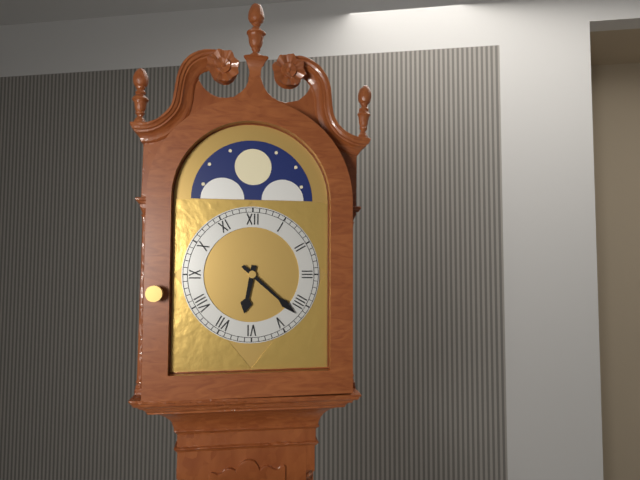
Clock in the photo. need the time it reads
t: 6:22
